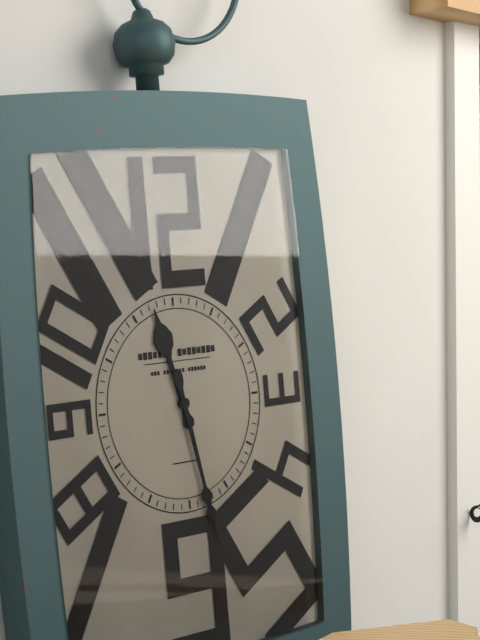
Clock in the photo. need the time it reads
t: 11:28
